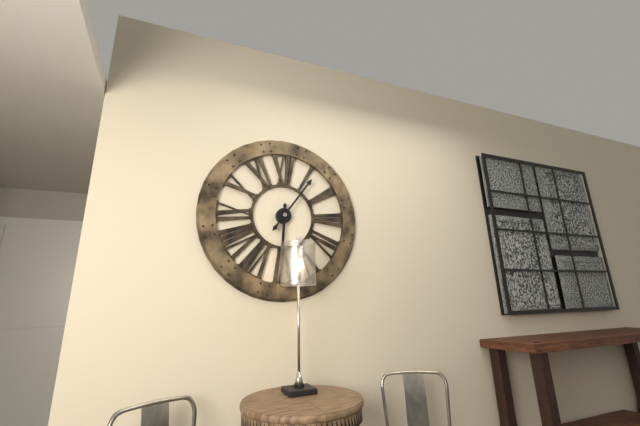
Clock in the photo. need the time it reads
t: 6:06
